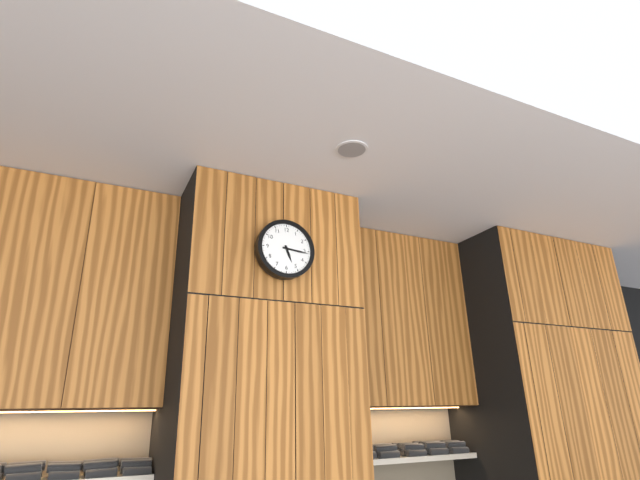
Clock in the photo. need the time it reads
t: 5:16
